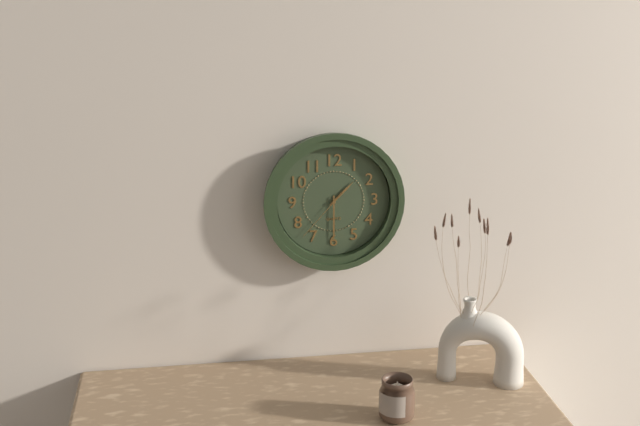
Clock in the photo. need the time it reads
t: 1:30:37
